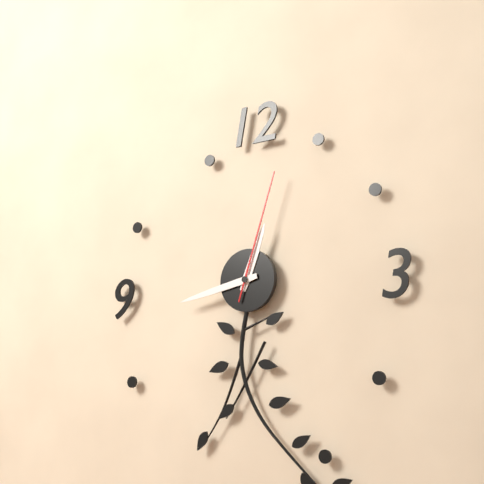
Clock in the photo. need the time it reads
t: 12:43:03
